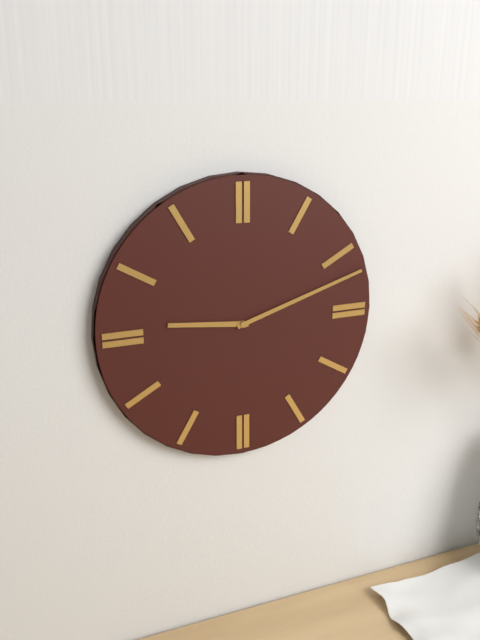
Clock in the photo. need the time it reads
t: 9:12
